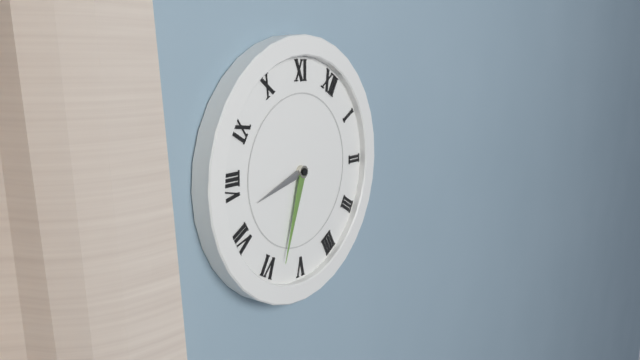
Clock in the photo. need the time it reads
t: 7:28
